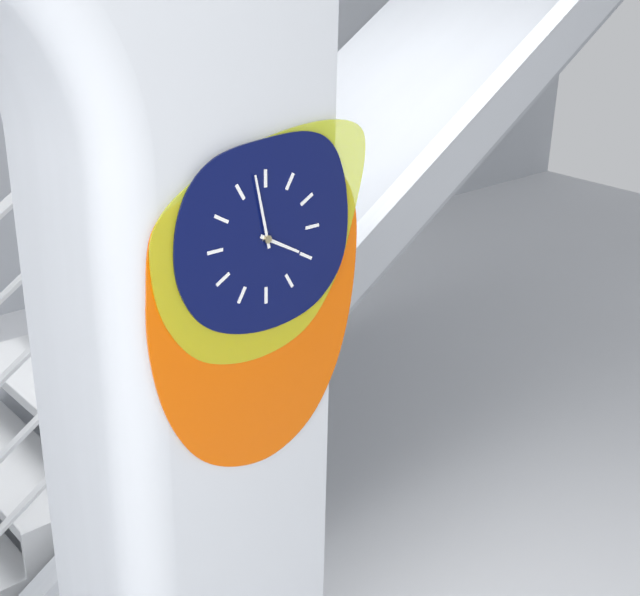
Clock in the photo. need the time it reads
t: 3:58
